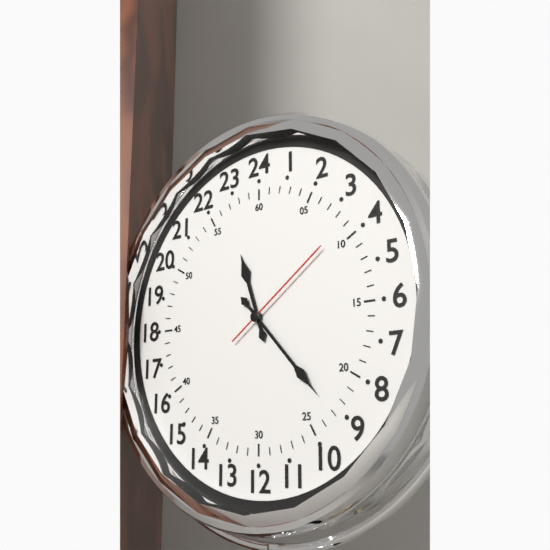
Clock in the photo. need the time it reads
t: 11:23:09
